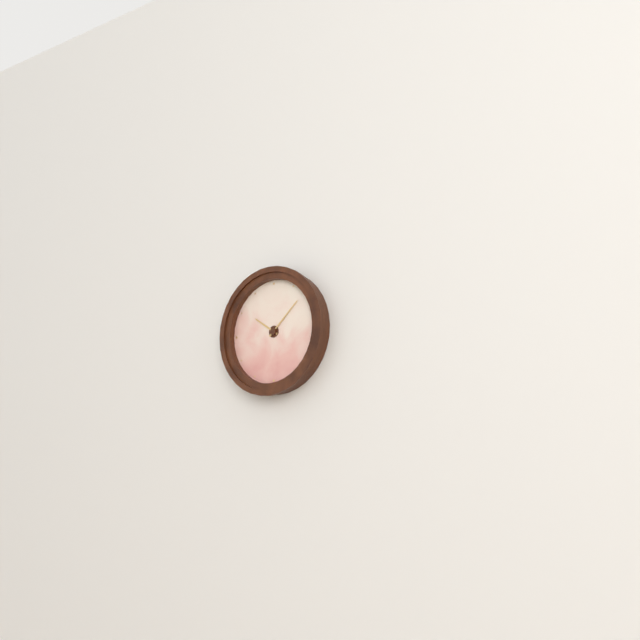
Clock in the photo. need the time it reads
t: 10:08
